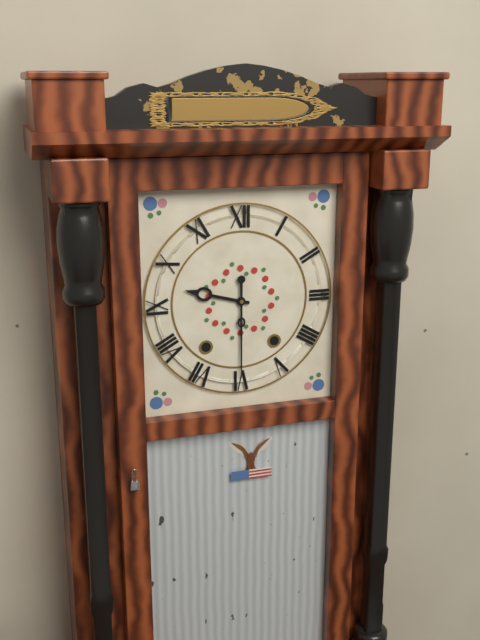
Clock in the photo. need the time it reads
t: 9:30
